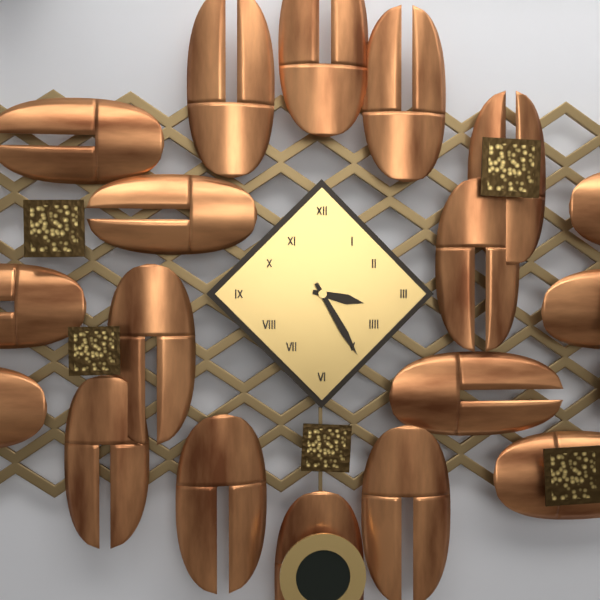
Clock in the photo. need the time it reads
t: 3:25
